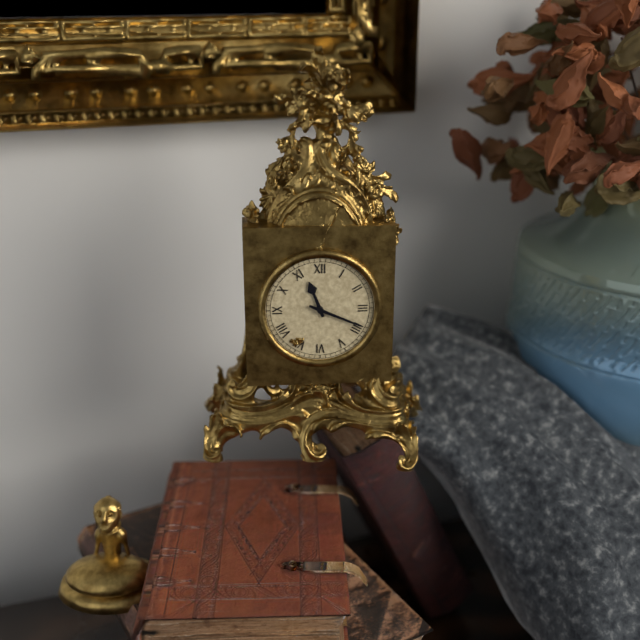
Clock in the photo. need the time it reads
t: 11:19
